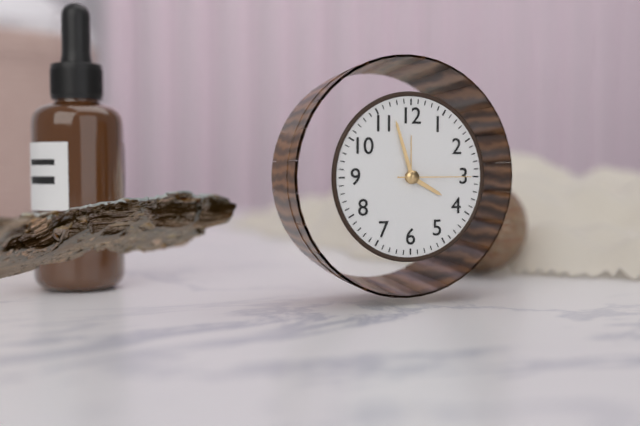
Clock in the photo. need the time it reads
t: 3:57:15
